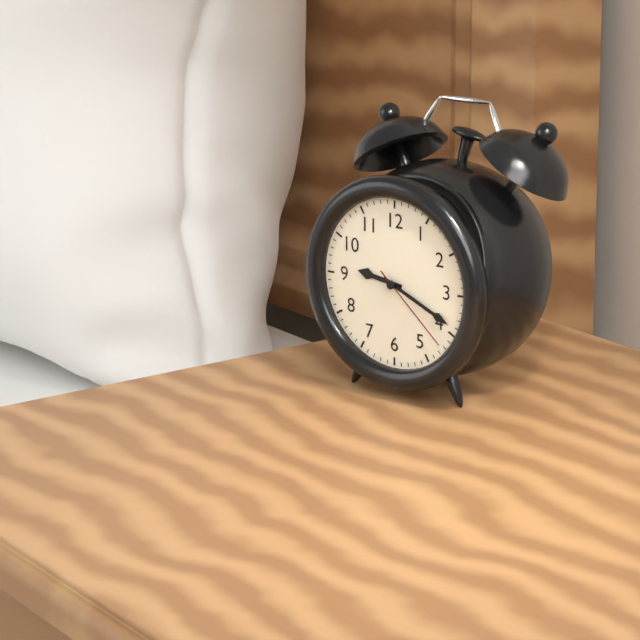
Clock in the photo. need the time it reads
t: 9:19:22
